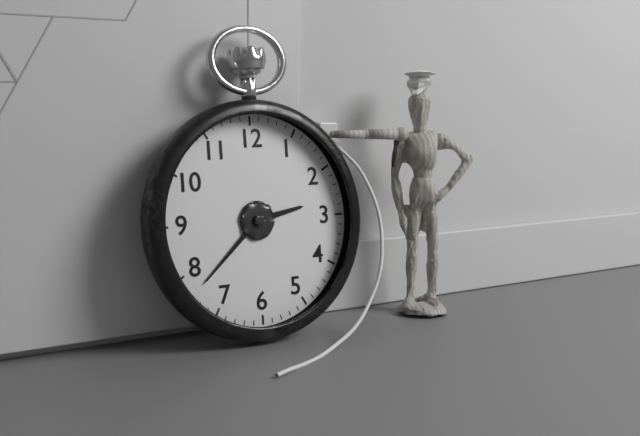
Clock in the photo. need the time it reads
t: 2:38
